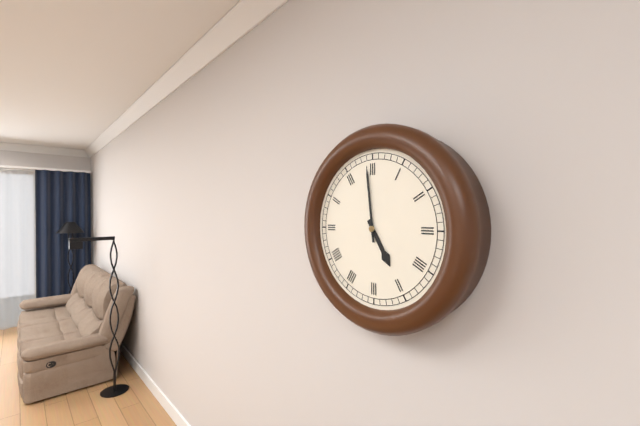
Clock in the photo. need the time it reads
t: 4:59
